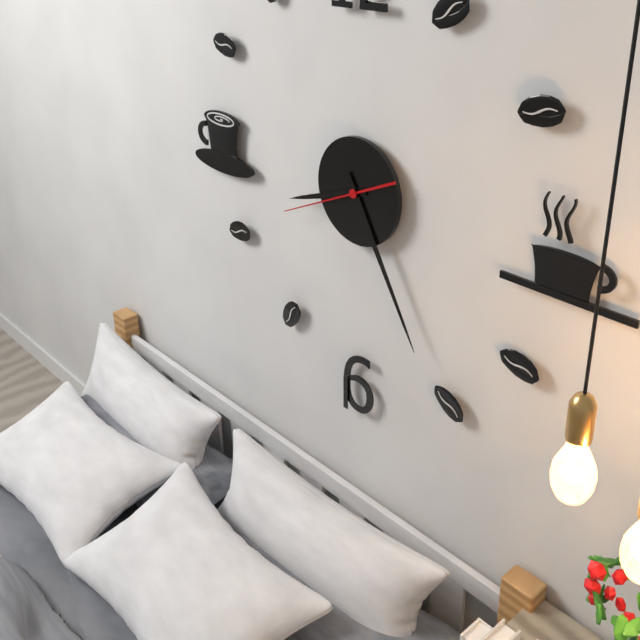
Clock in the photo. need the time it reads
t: 8:25:41
